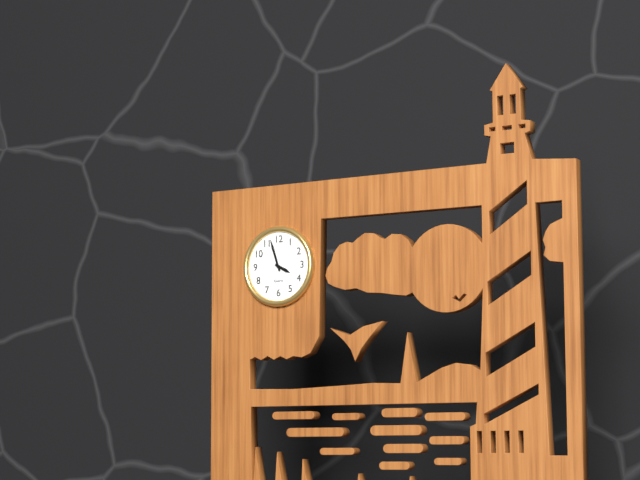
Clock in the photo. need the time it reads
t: 3:57
